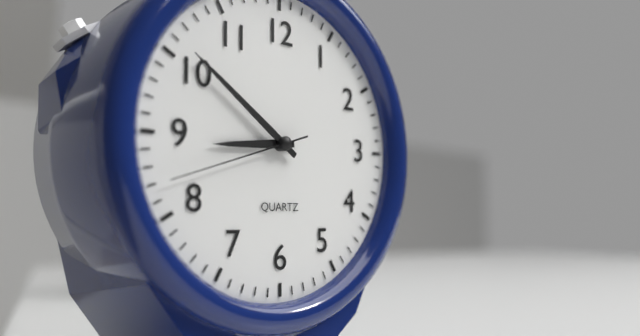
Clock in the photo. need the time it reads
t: 8:51:42
